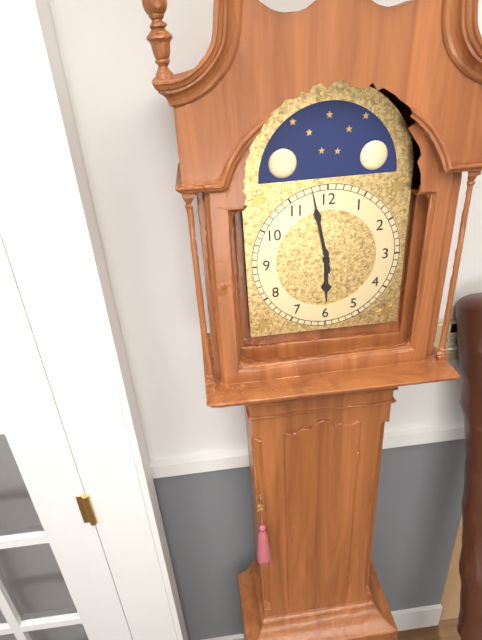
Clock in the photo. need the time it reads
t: 5:58
